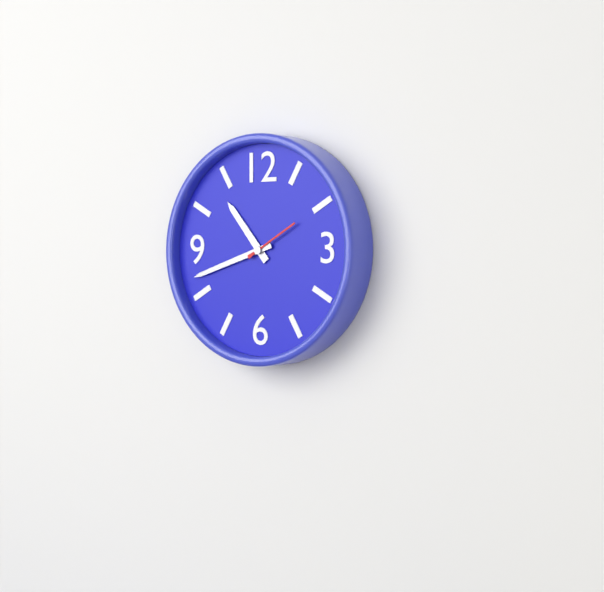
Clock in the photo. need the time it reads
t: 10:42:10
